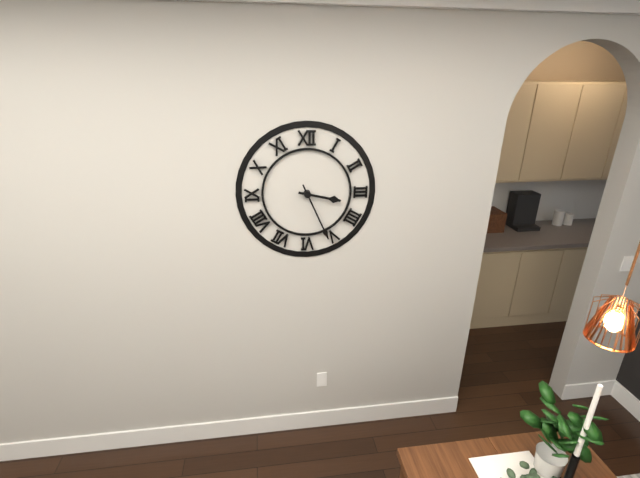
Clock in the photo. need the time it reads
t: 3:26
